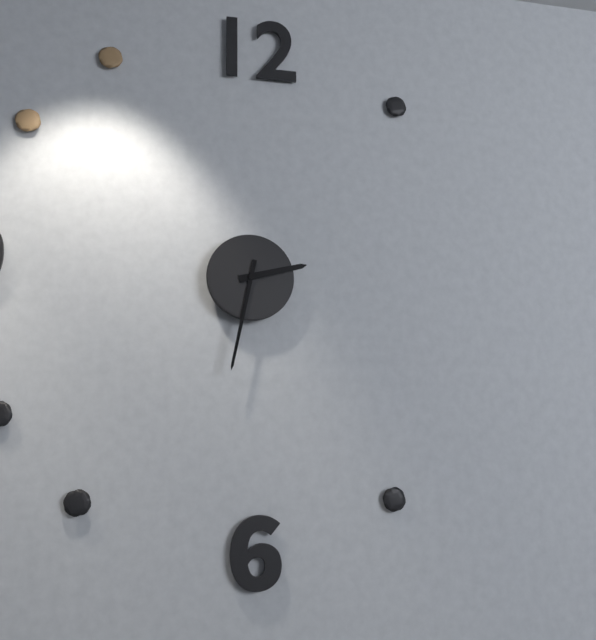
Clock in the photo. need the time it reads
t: 2:32
